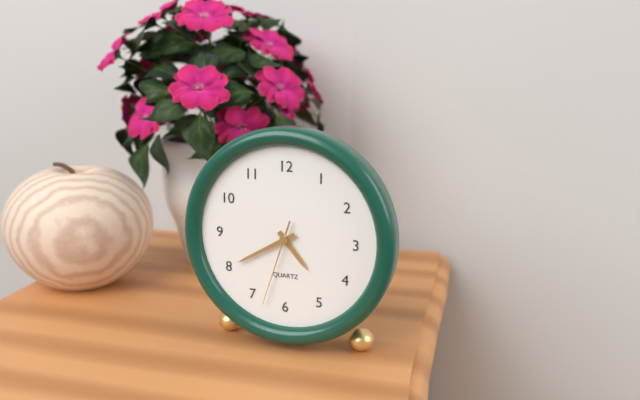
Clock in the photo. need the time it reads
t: 4:40:33
